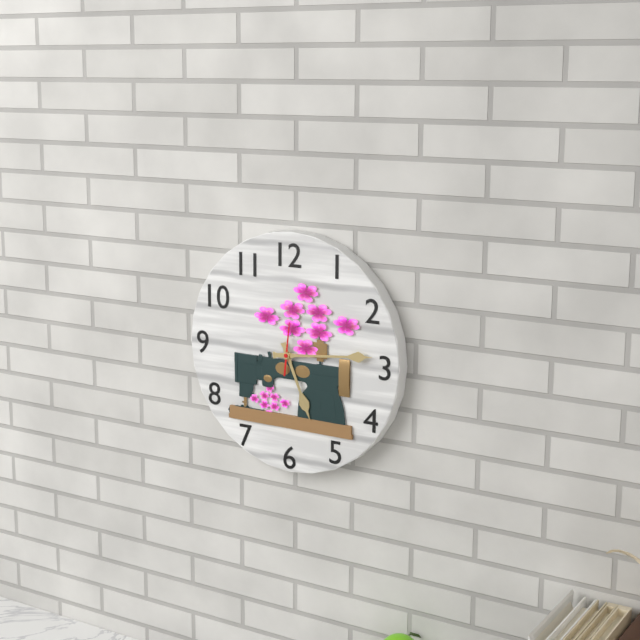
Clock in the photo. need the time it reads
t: 5:14
